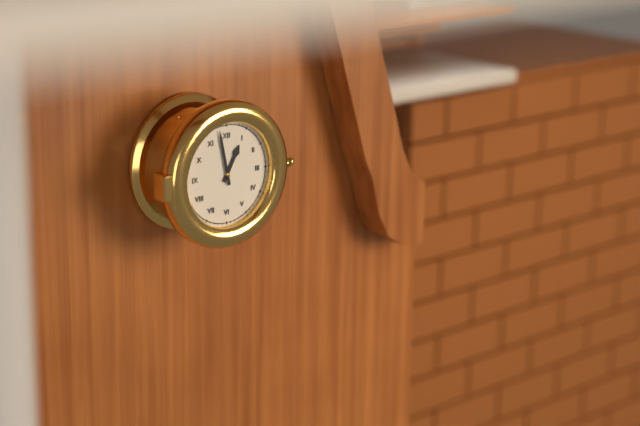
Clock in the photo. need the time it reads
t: 12:58
